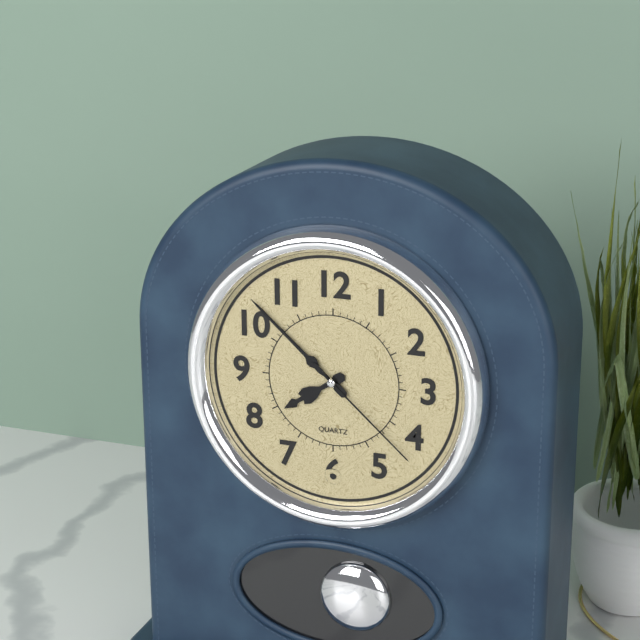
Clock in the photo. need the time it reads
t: 7:52:22
